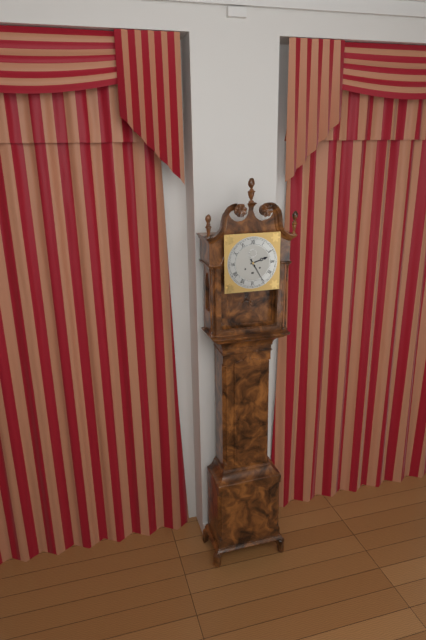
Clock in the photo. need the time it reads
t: 2:25
